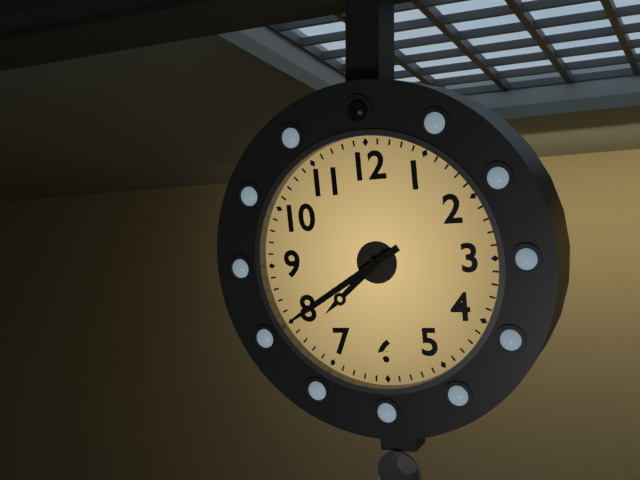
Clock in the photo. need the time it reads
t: 7:40
